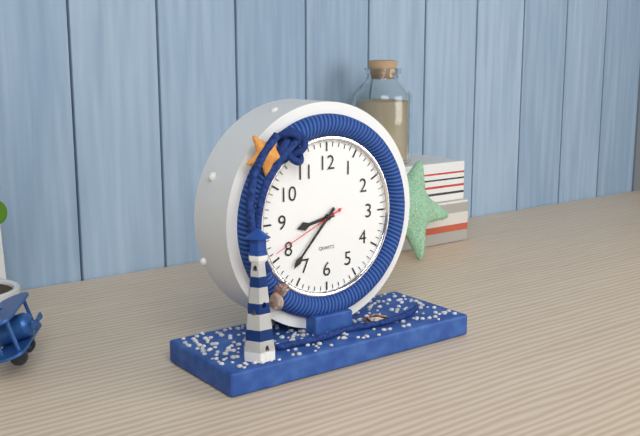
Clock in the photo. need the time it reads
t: 8:37:41
